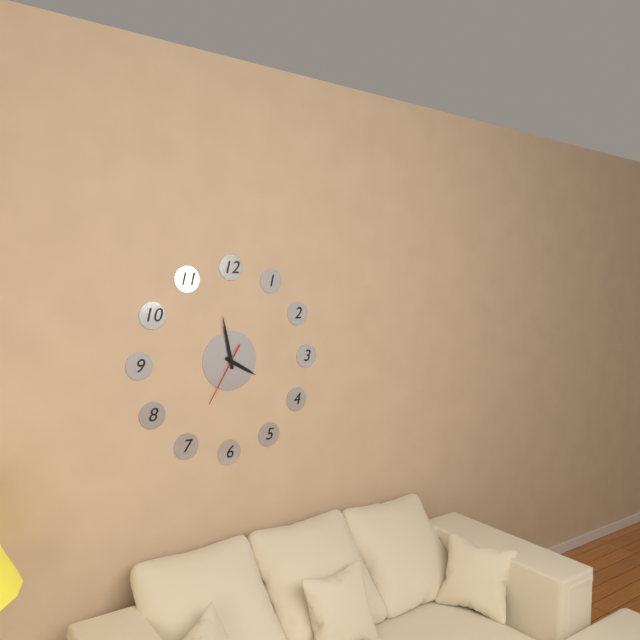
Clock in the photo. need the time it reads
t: 3:58:35
